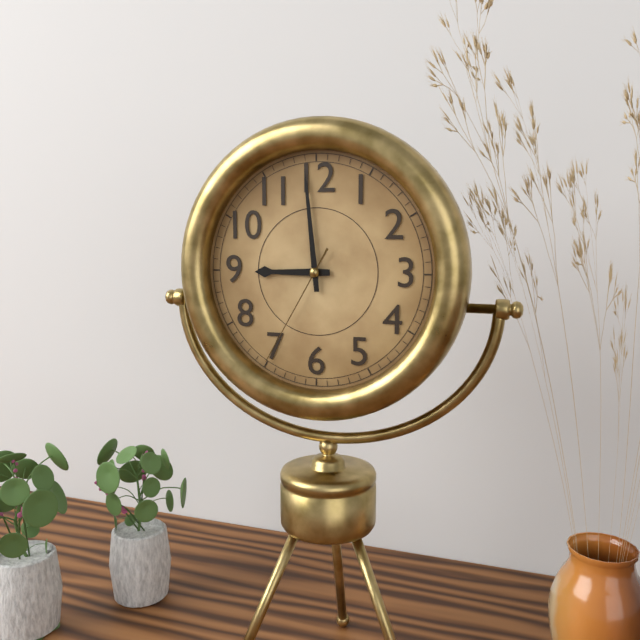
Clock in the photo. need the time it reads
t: 8:59:35
